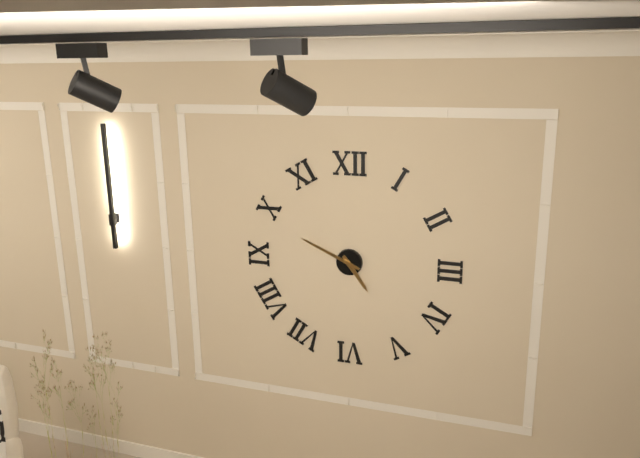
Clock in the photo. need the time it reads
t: 4:49
